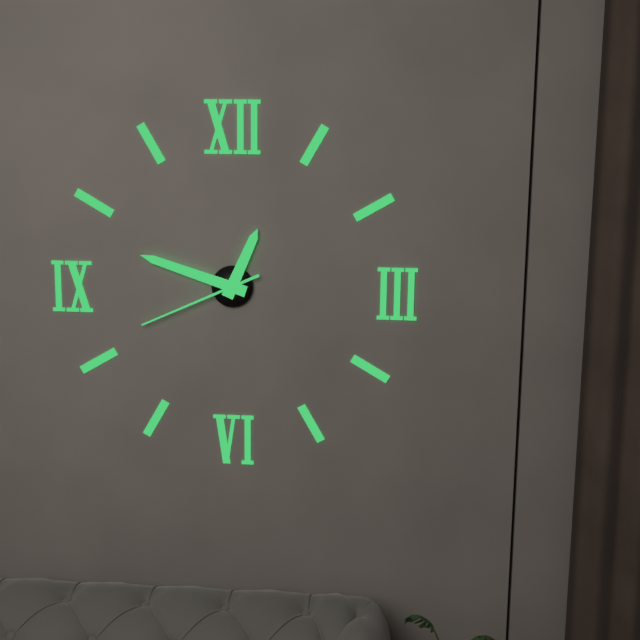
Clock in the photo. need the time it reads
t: 12:48:41
